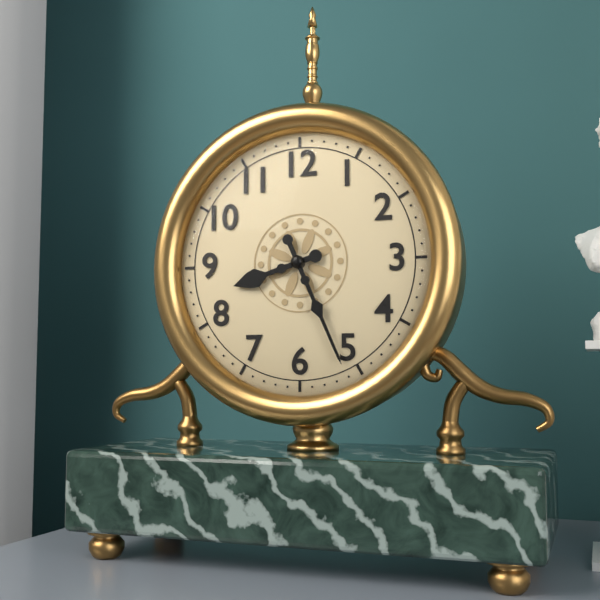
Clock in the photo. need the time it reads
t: 8:26
